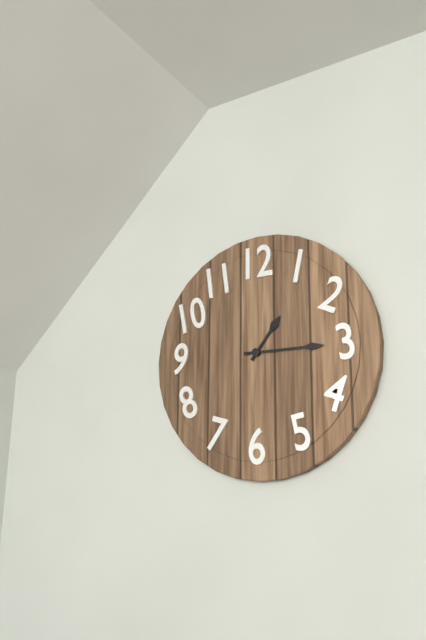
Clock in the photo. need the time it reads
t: 1:15
